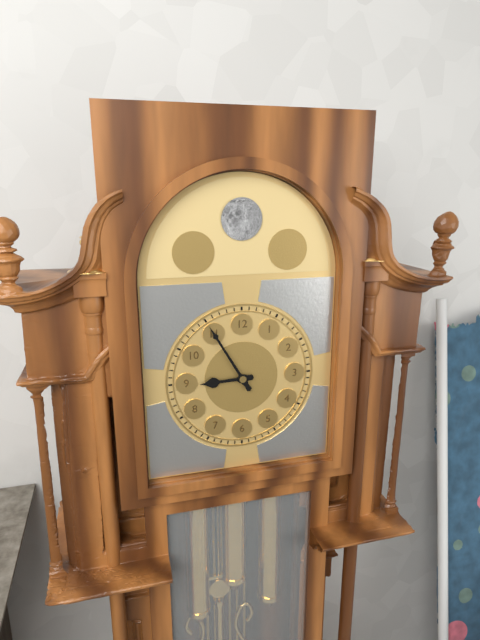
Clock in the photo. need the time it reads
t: 8:55
